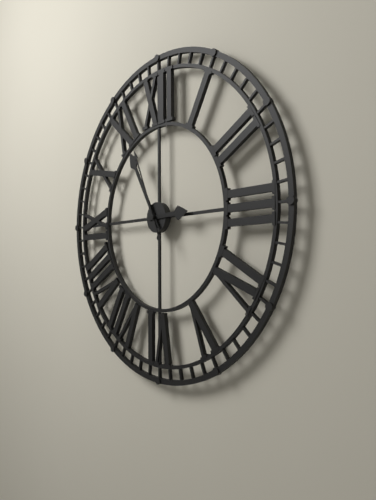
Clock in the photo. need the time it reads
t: 2:55:56
